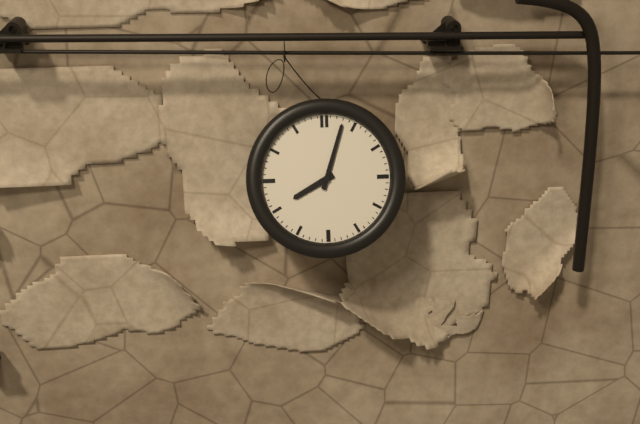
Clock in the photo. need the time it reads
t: 8:03
